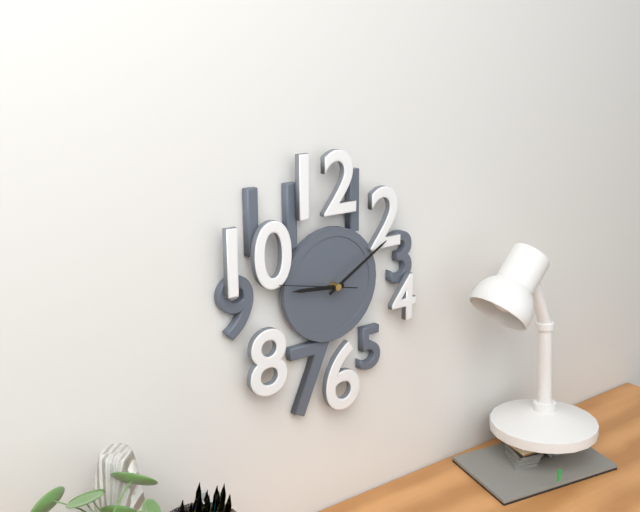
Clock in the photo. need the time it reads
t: 9:10:47
